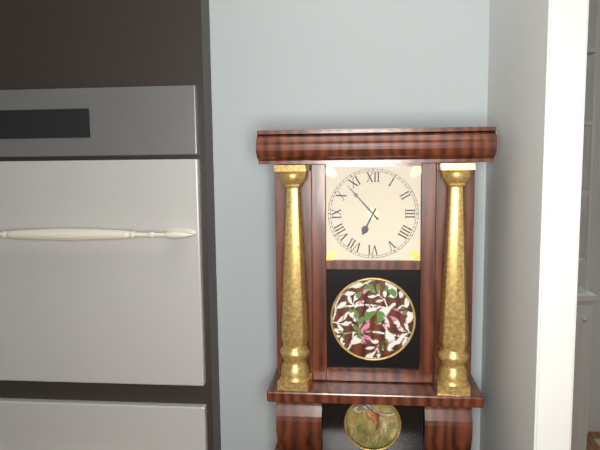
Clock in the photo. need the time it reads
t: 6:53
